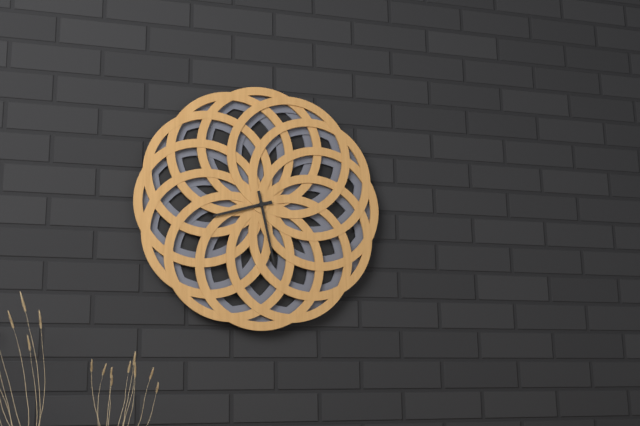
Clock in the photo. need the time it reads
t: 8:28
